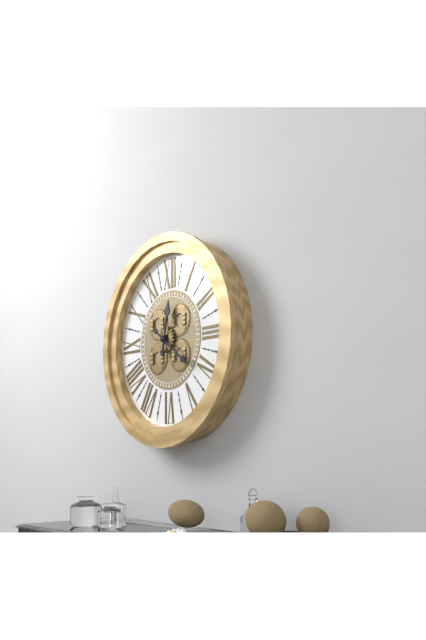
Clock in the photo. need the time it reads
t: 12:21
